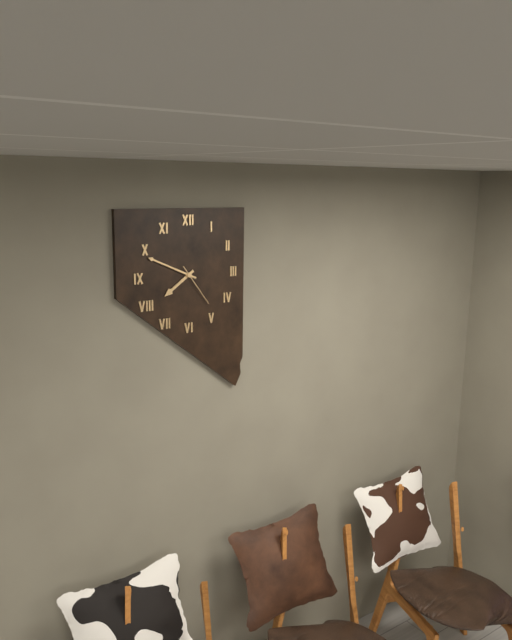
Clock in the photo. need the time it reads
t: 7:49
